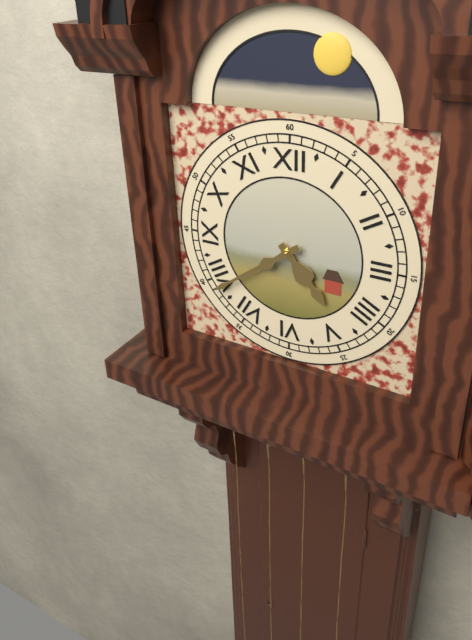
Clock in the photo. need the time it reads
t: 4:39
